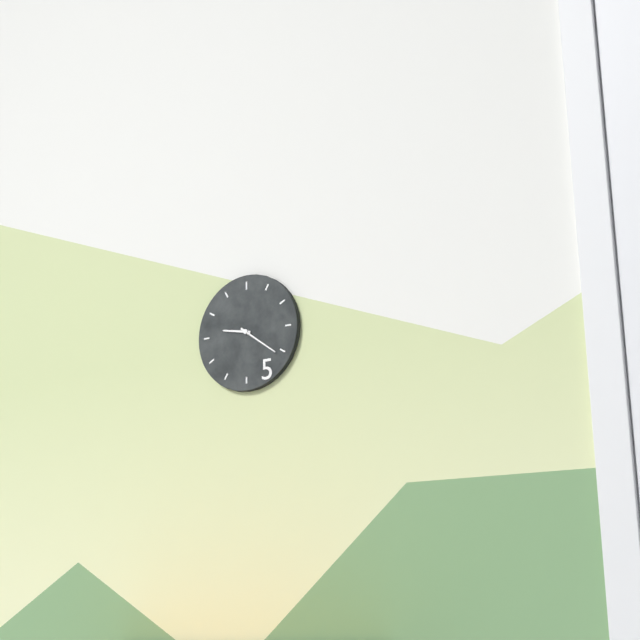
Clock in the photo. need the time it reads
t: 9:21
